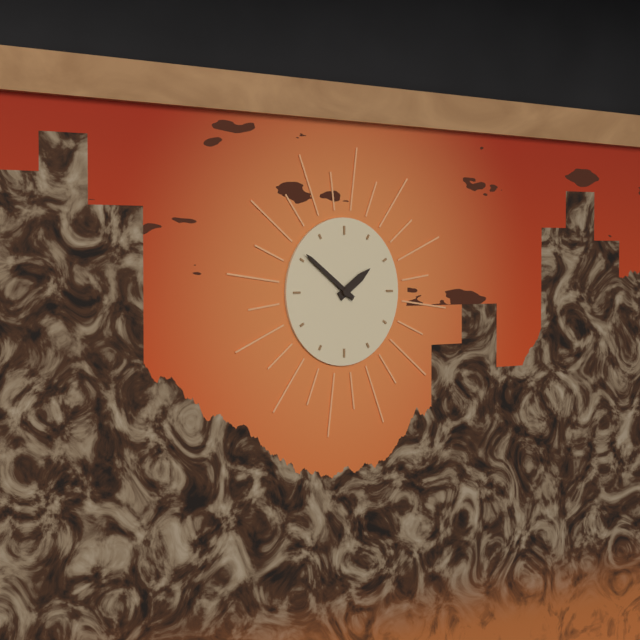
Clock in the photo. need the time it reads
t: 1:51
